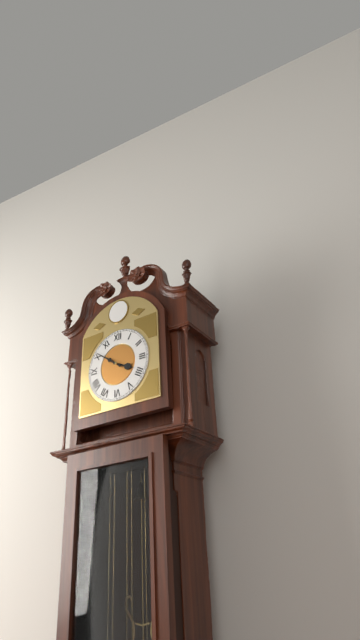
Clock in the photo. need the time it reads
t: 3:51
